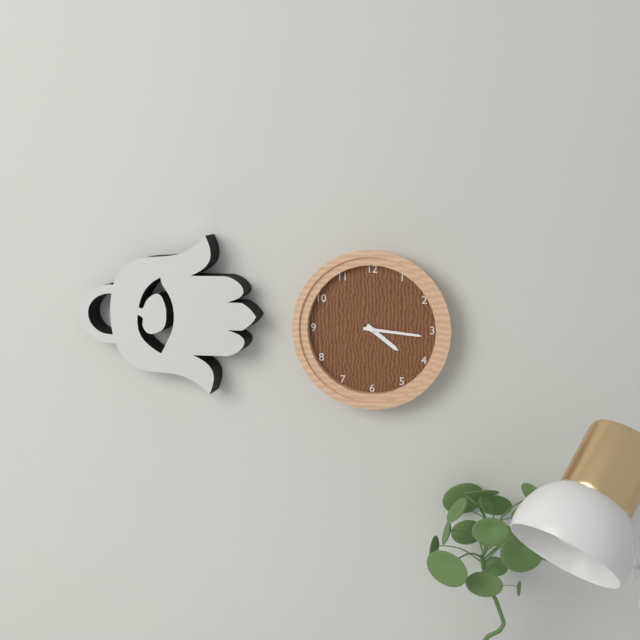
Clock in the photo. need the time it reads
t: 4:16
